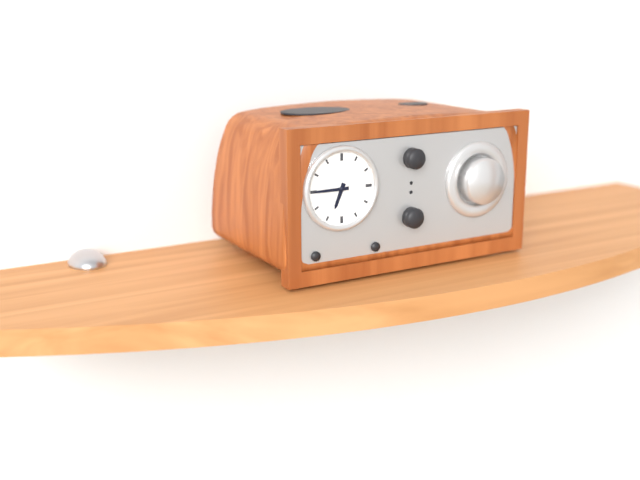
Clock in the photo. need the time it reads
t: 6:45
